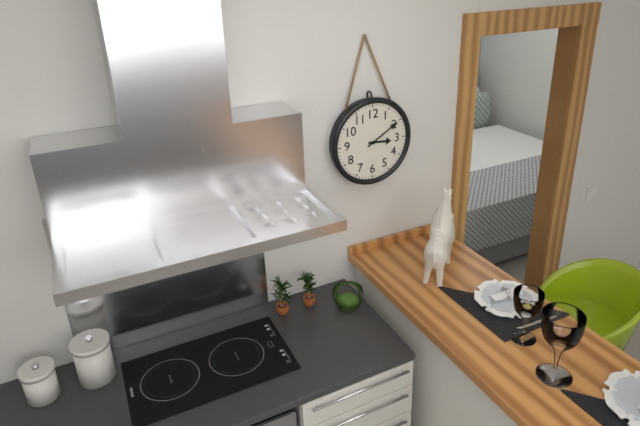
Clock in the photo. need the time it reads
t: 3:10
